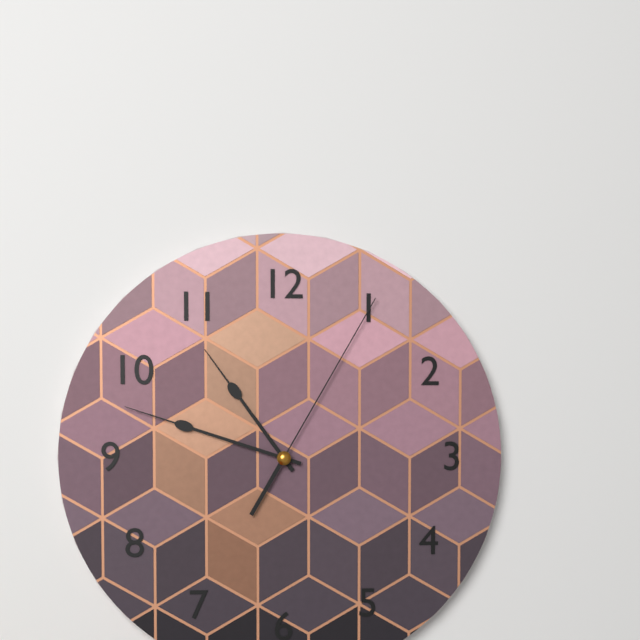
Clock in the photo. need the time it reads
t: 10:48:05
